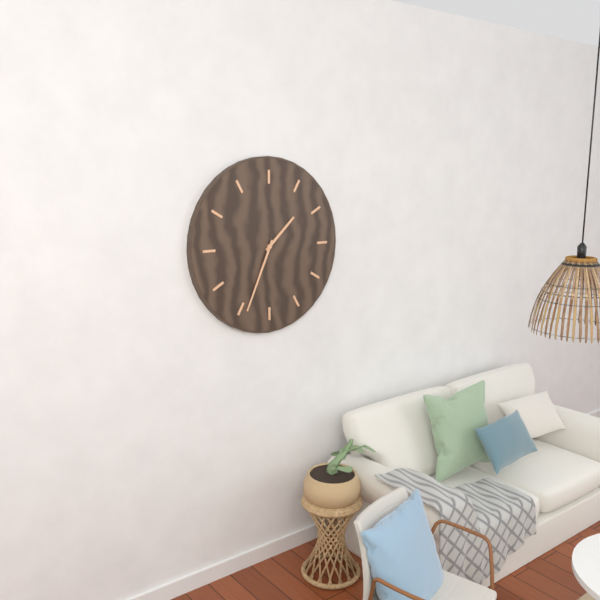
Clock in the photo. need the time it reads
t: 1:34
